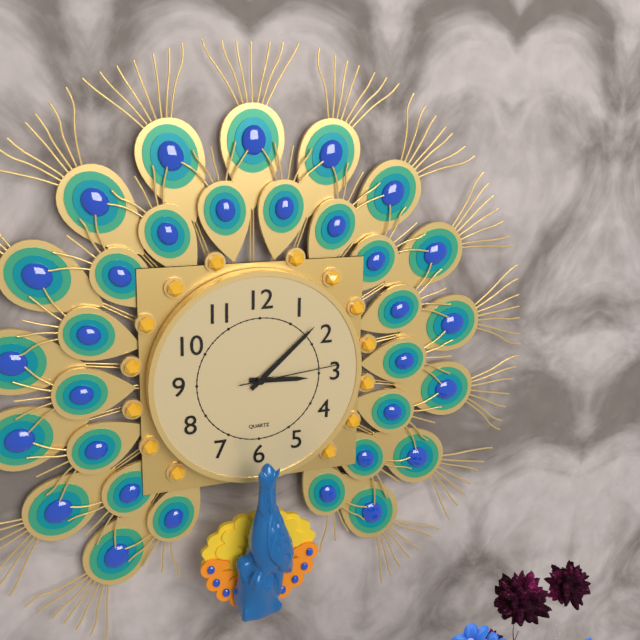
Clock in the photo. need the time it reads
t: 3:08:14
